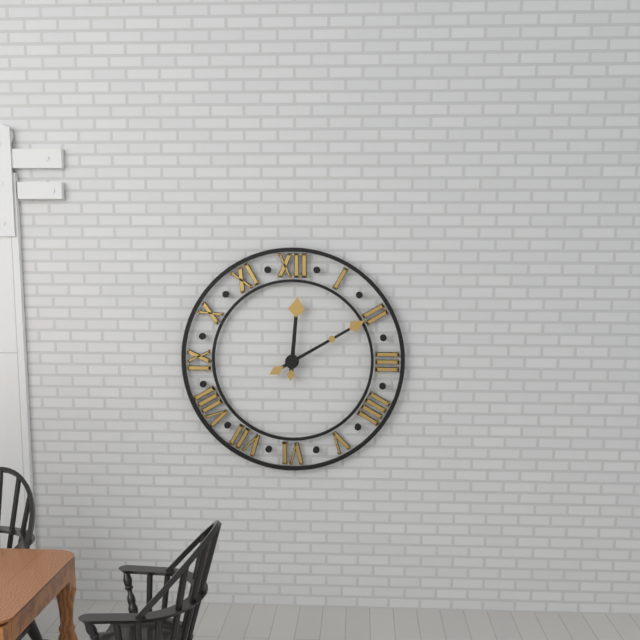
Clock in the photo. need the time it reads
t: 12:10
